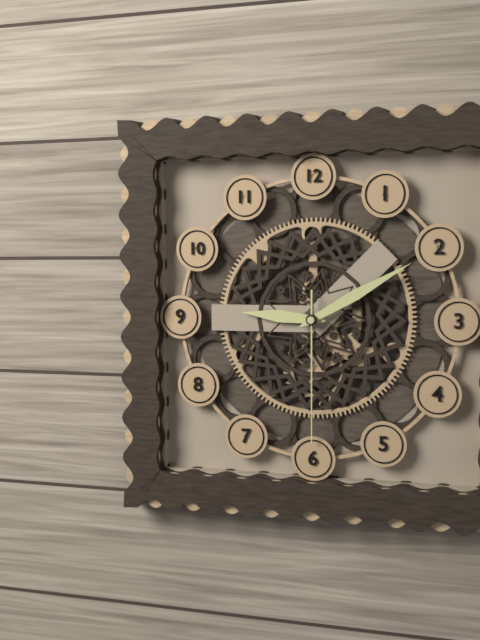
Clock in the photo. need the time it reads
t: 9:10:30
